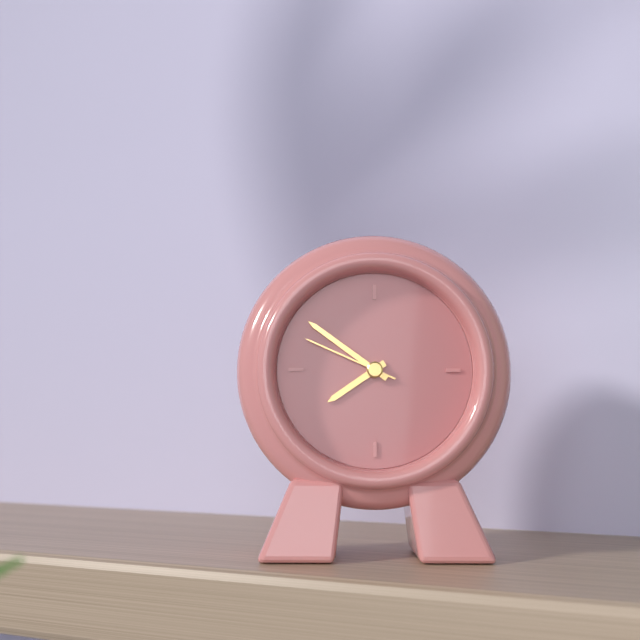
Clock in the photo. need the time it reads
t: 7:51:49
